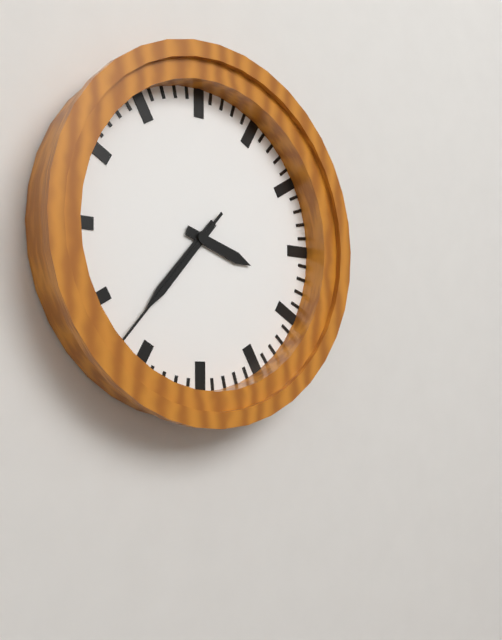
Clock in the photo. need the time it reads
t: 3:37:37
